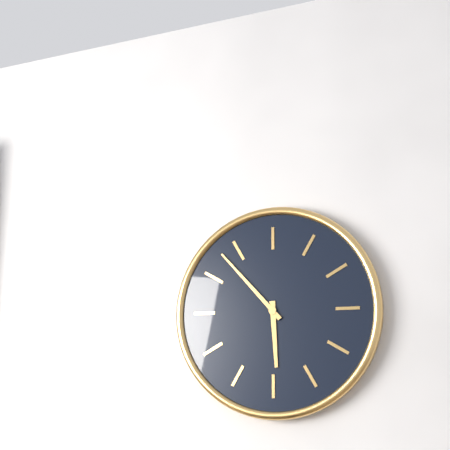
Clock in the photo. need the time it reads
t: 5:53
